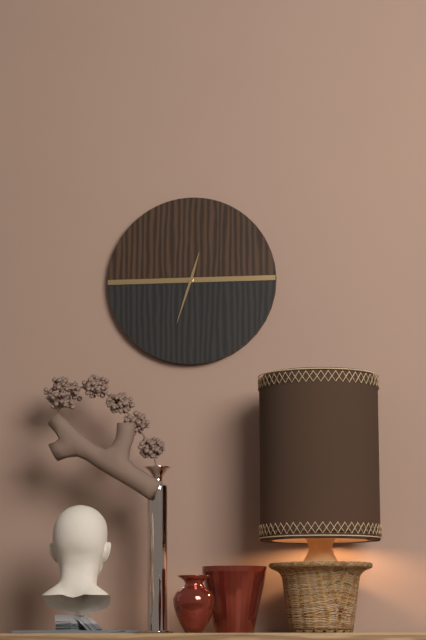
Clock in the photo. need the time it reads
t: 12:33
